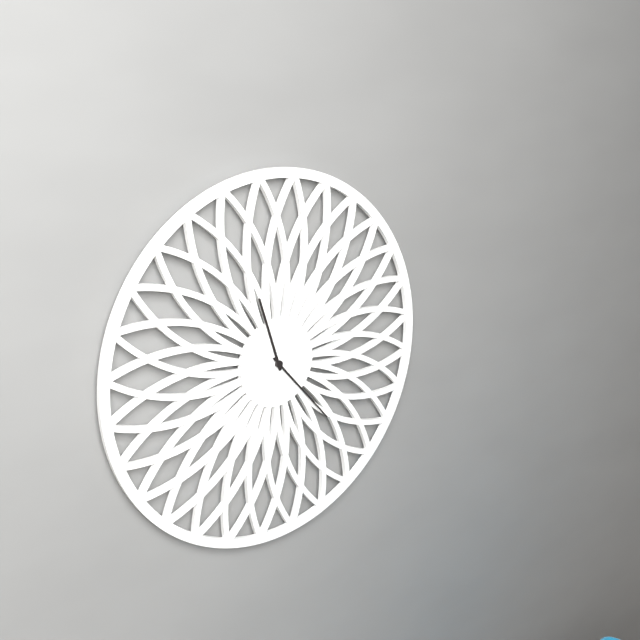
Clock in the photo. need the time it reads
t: 11:23
